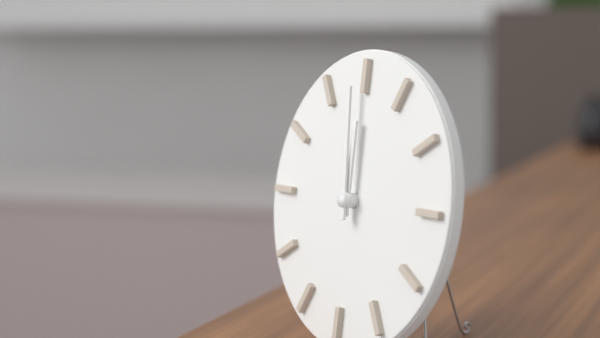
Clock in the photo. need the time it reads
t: 11:59
